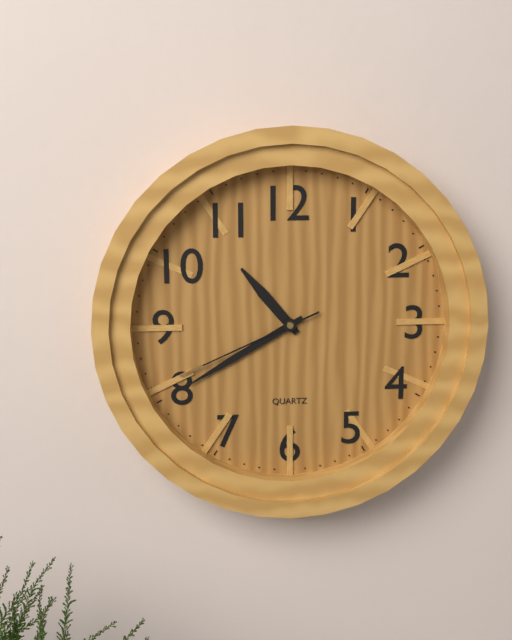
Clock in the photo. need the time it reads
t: 10:40:41
